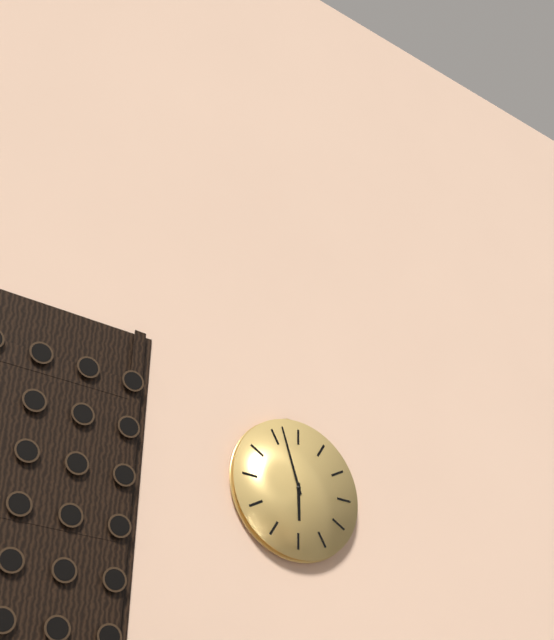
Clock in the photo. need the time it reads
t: 5:57
